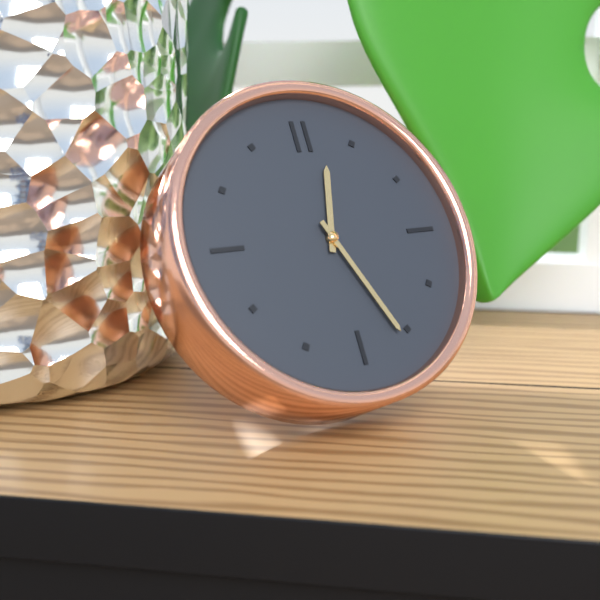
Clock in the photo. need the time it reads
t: 12:26
